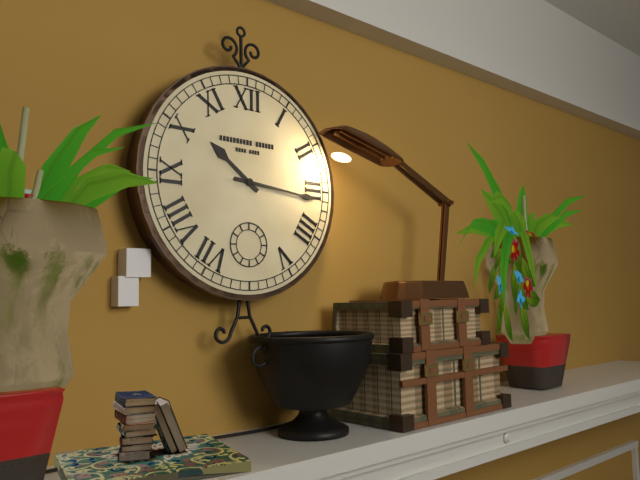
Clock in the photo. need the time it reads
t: 10:16
